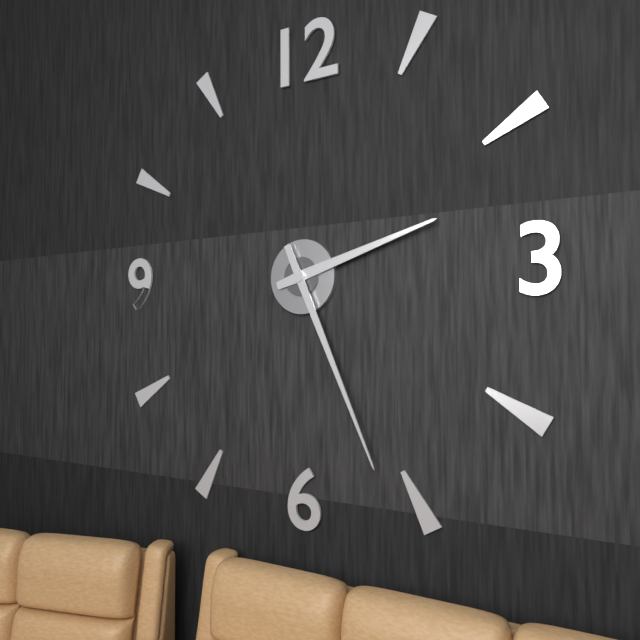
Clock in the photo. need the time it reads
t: 2:26
